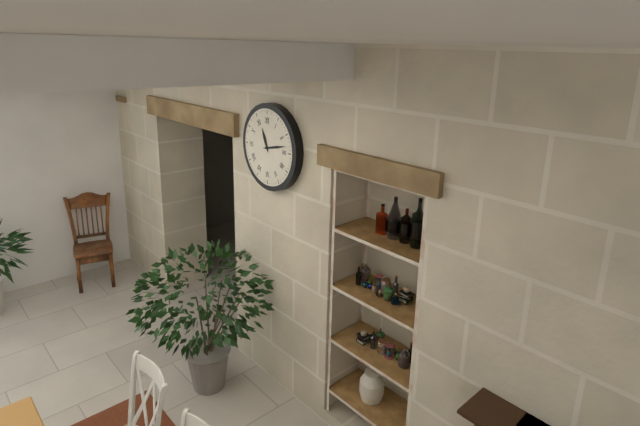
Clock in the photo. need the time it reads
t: 11:13
